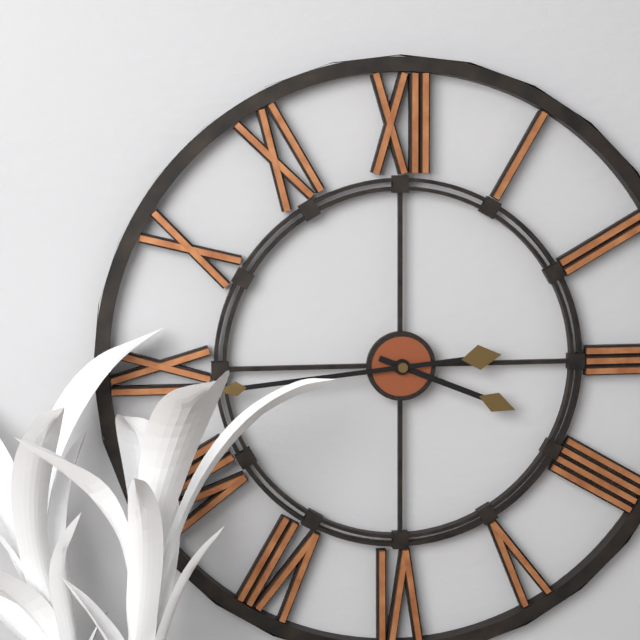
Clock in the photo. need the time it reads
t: 3:44
